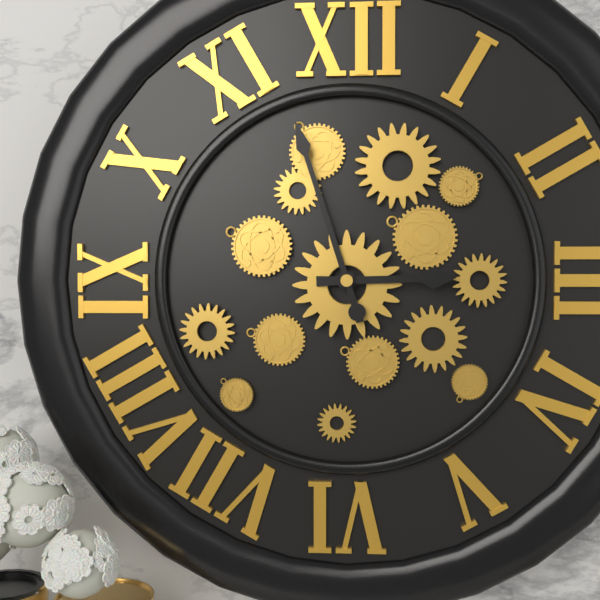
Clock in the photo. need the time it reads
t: 2:57
